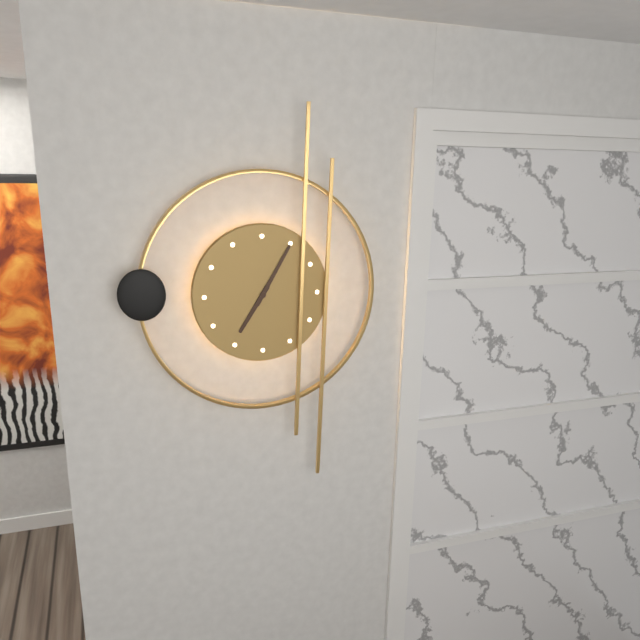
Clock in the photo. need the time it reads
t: 7:05
